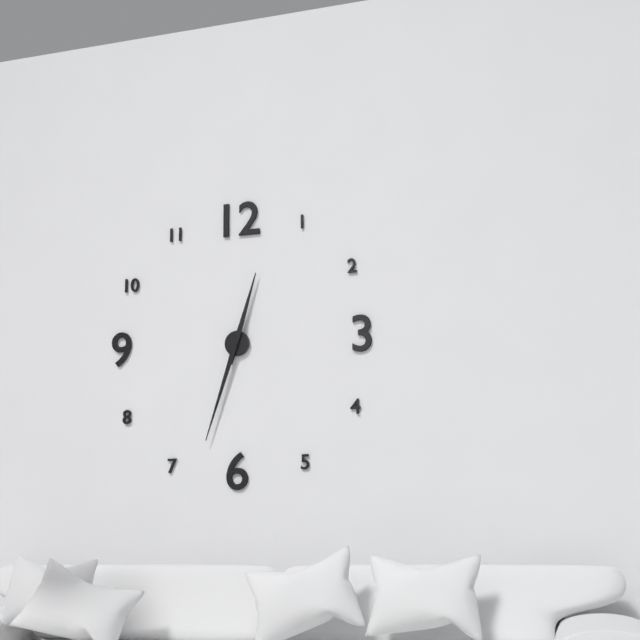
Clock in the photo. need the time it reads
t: 12:33
